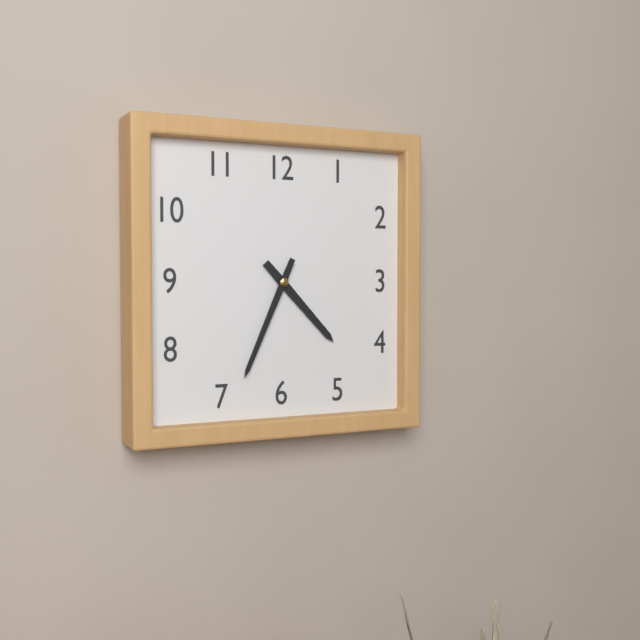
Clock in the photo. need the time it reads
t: 4:34
